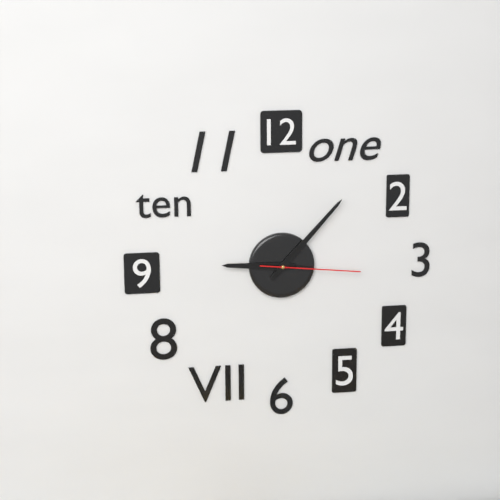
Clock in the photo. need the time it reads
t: 9:07:16
